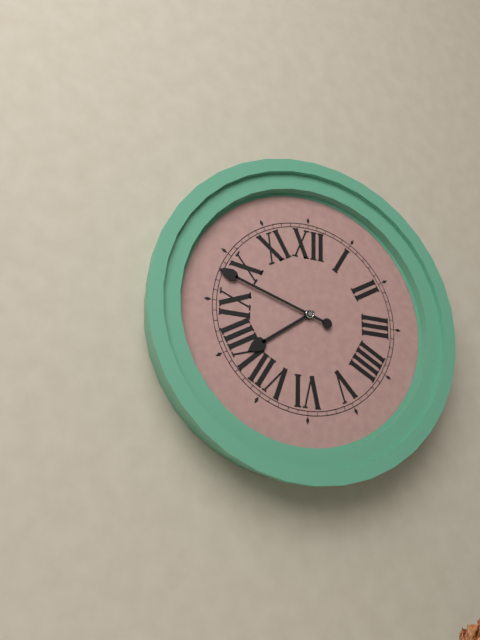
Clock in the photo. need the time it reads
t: 7:48
